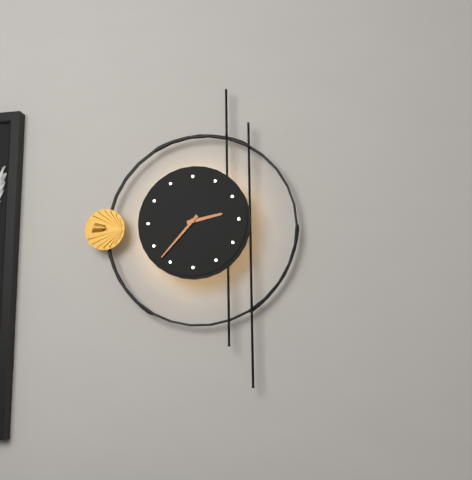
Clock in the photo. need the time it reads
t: 2:37
